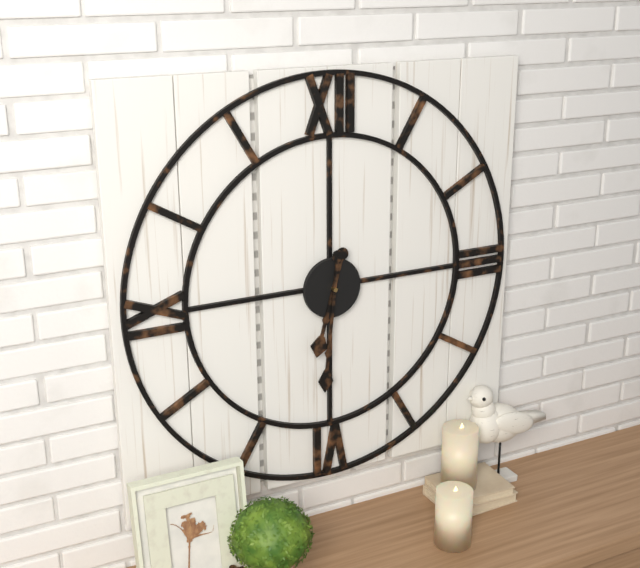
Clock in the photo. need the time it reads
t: 6:31
